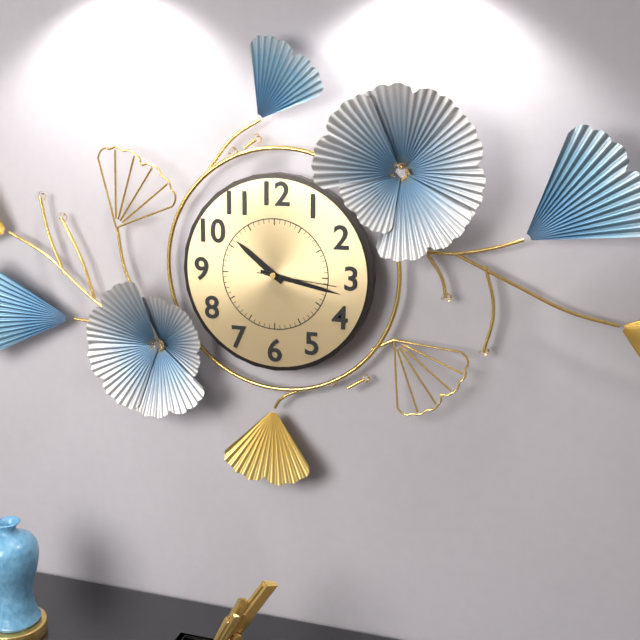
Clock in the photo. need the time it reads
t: 10:17:16
